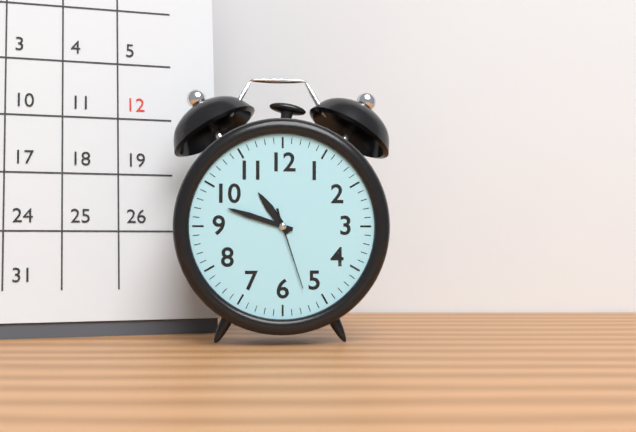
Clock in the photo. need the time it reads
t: 10:48:27
